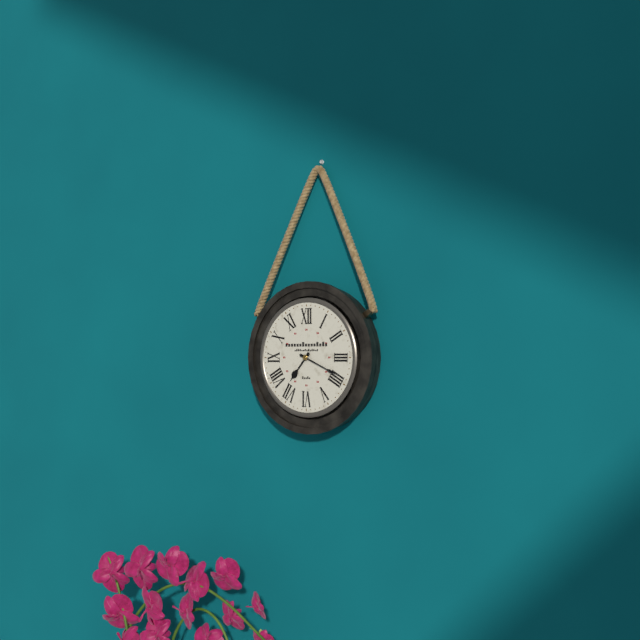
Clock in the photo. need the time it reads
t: 7:19
